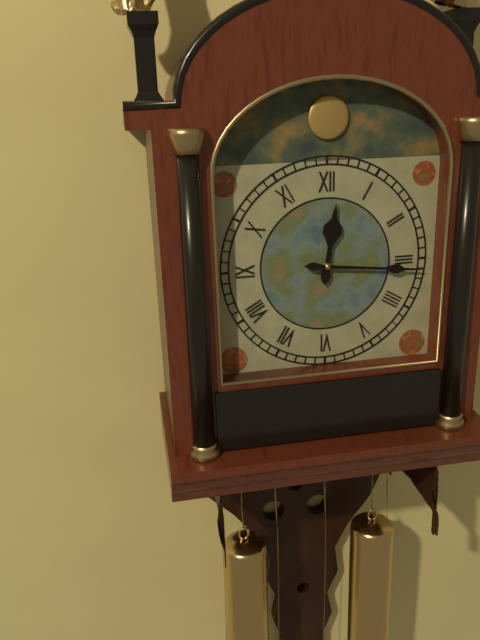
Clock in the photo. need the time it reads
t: 12:16
